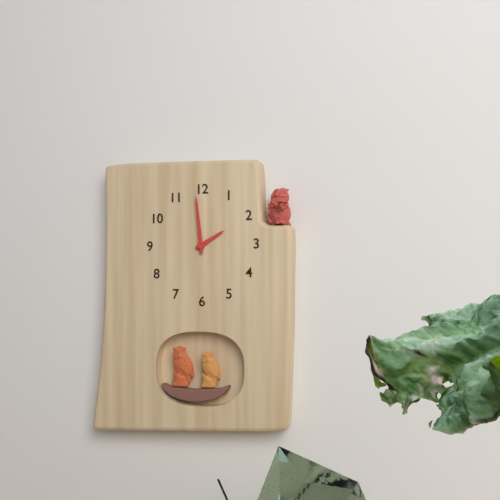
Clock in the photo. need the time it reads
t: 1:59
